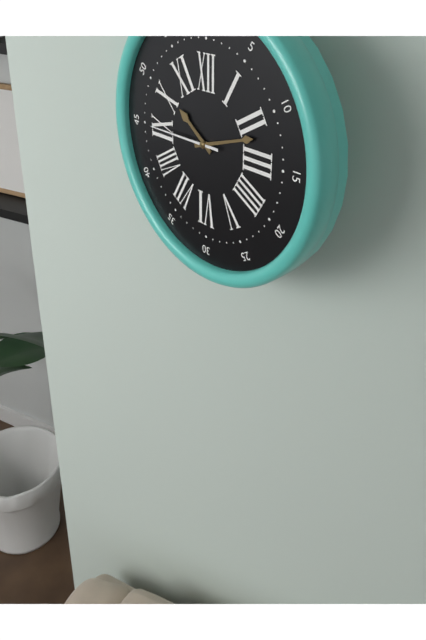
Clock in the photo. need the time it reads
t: 10:12:45
